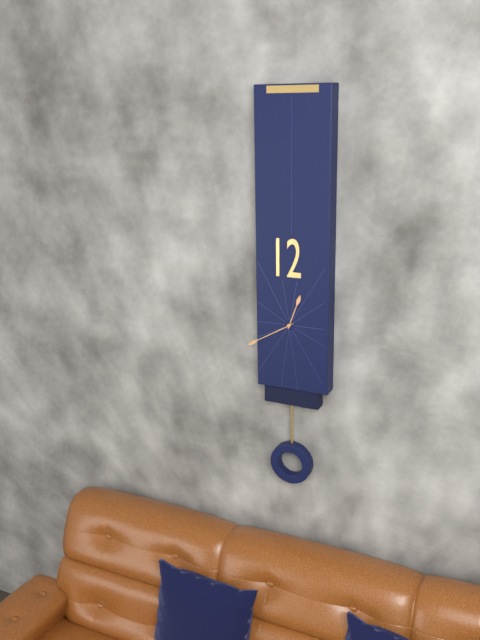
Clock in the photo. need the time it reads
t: 12:40
